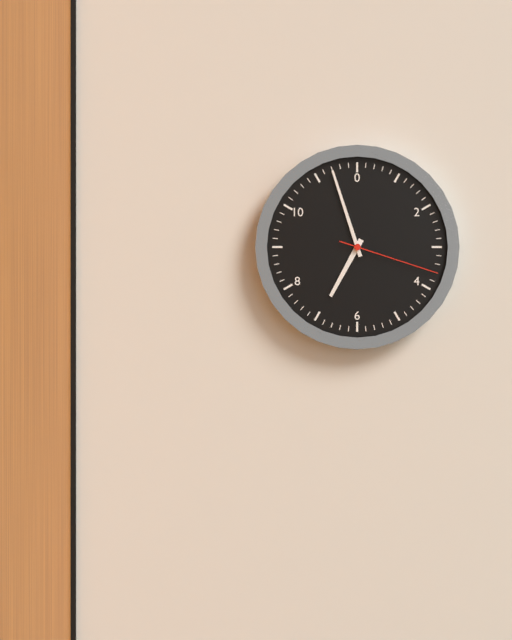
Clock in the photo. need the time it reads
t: 6:57:18
